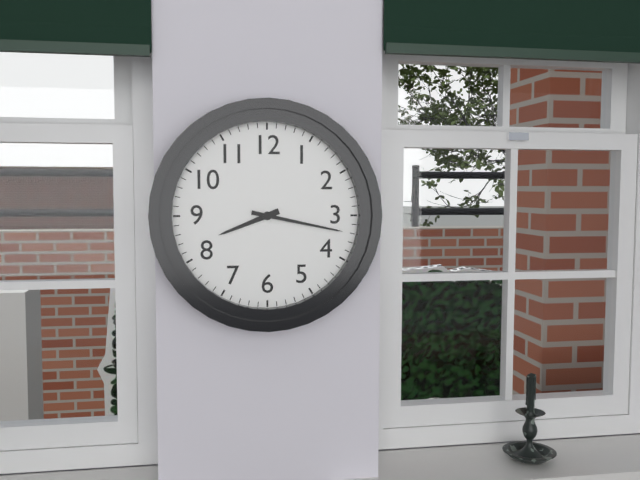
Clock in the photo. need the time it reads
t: 8:17
